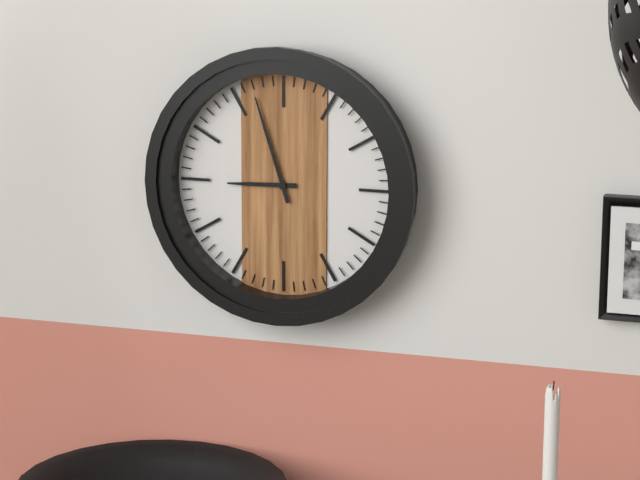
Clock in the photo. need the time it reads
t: 8:57
